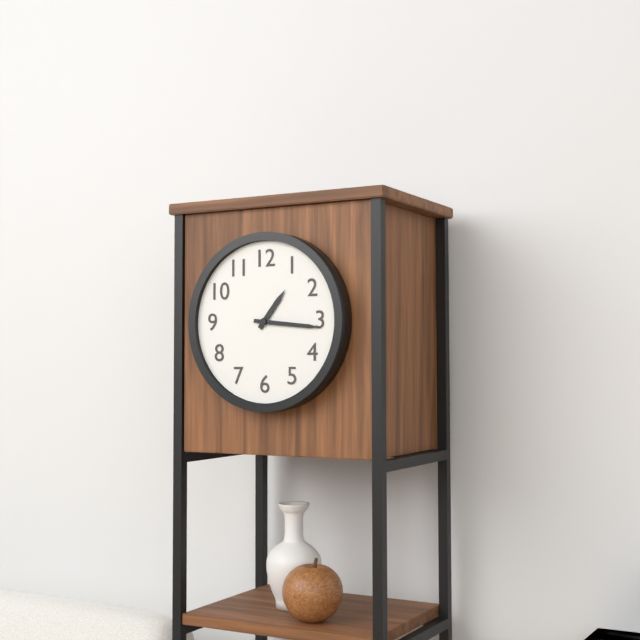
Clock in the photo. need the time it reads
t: 1:16
